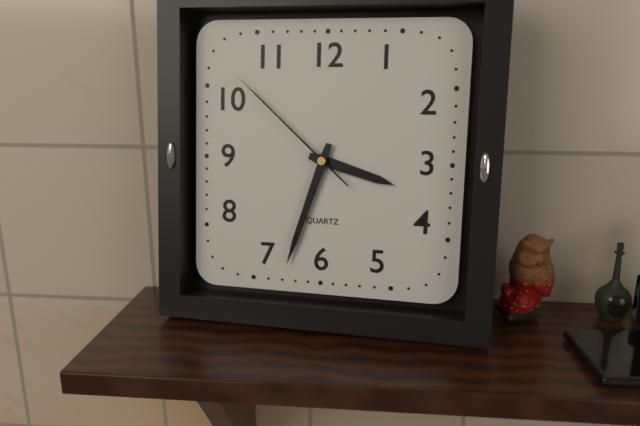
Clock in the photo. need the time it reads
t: 3:33:52
